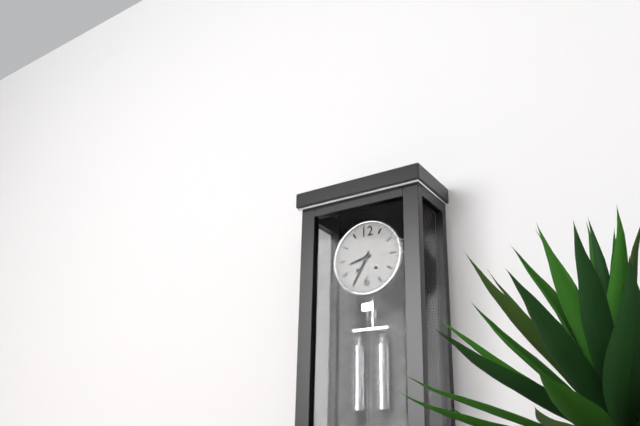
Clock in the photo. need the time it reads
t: 8:35
